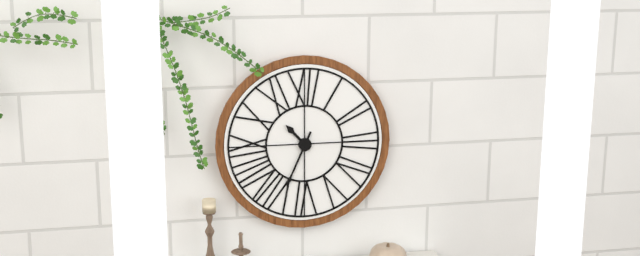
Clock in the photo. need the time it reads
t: 10:34
